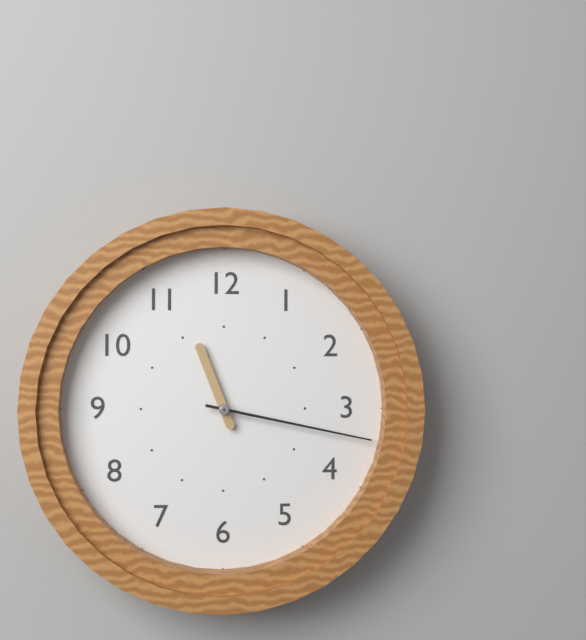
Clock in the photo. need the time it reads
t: 11:17
